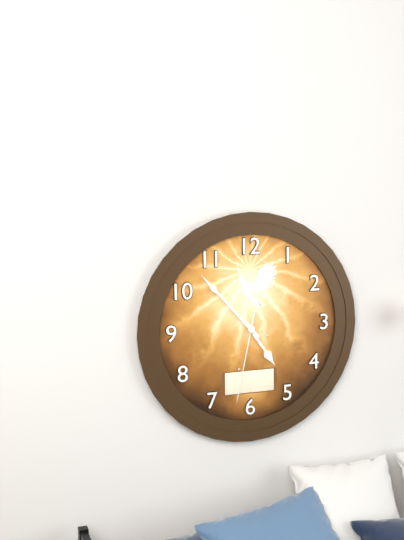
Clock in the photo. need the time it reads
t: 4:53:32
